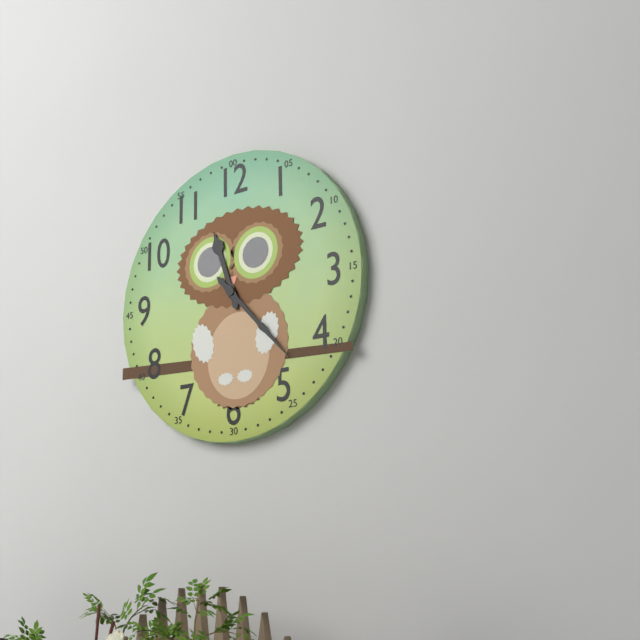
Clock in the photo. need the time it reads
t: 11:23
